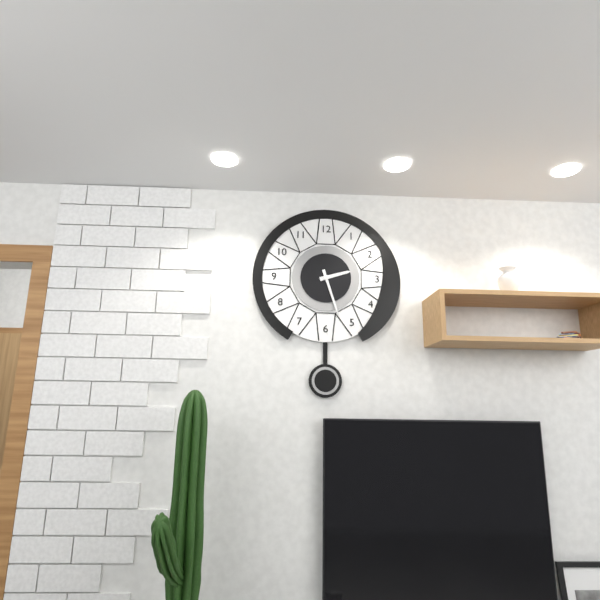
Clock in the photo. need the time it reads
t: 2:27
